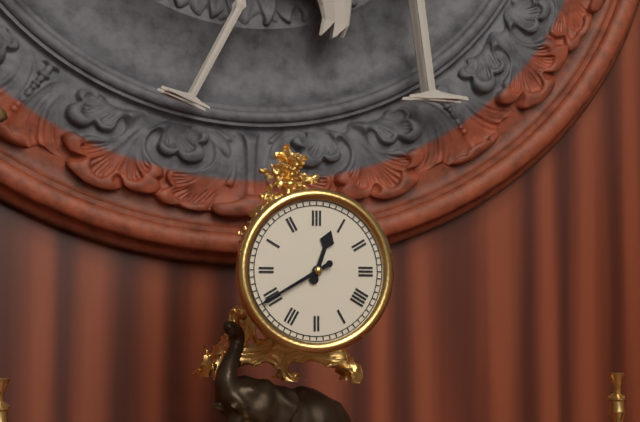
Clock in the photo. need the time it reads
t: 12:40
